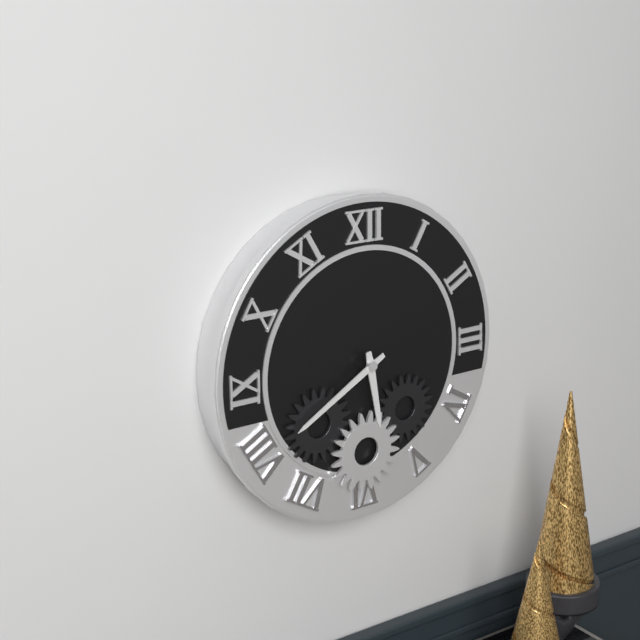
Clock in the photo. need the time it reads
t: 5:40
